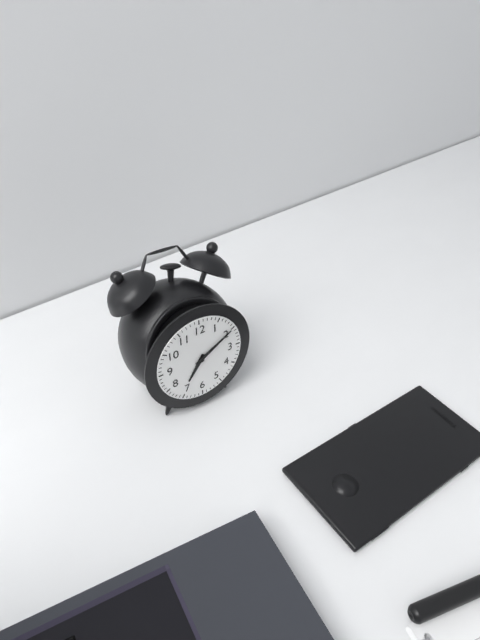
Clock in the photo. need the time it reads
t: 7:10
